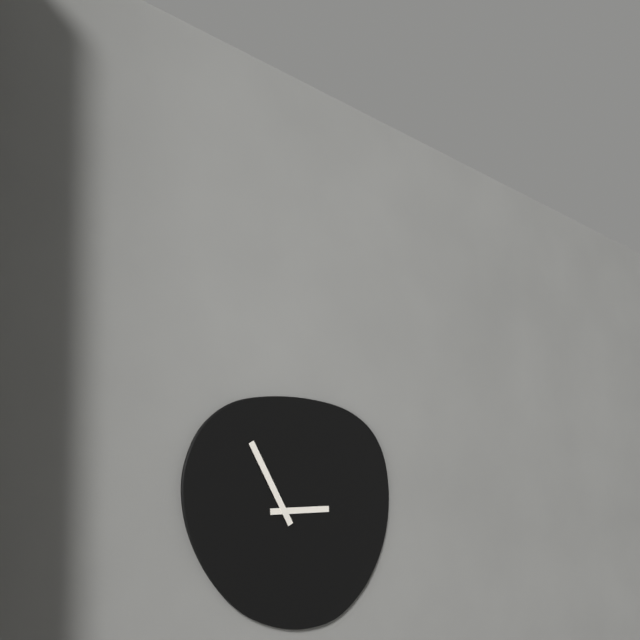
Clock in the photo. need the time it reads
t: 2:55
